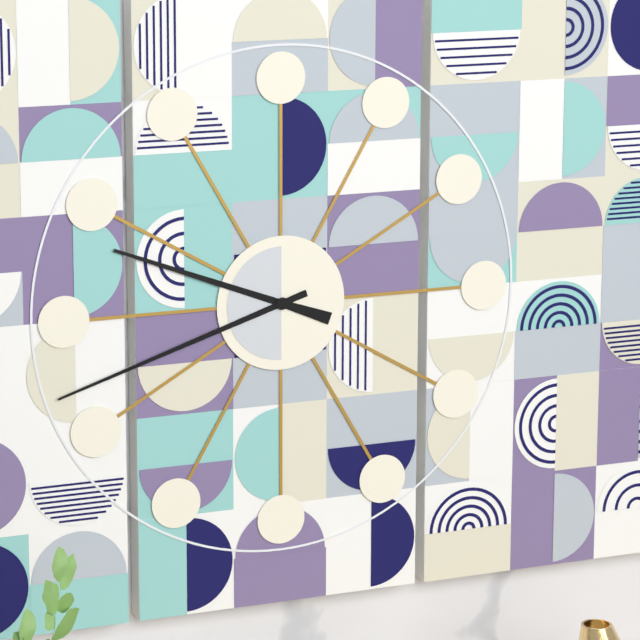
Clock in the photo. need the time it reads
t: 9:42
